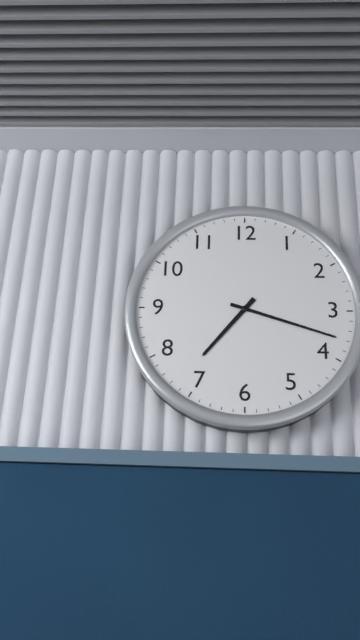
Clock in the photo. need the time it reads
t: 7:18
